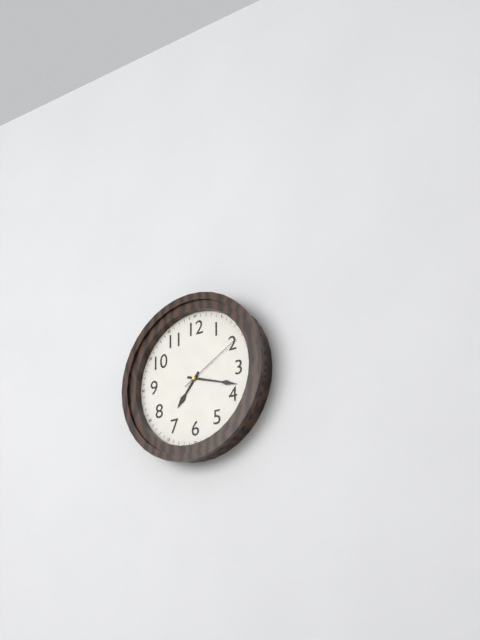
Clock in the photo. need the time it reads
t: 7:18:10
